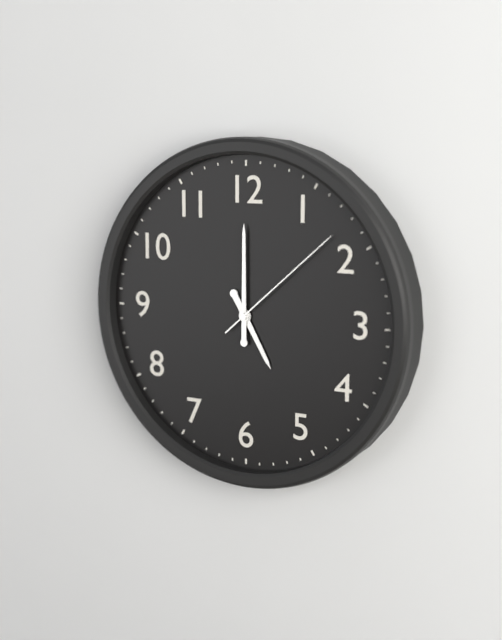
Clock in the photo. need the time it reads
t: 5:00:08
